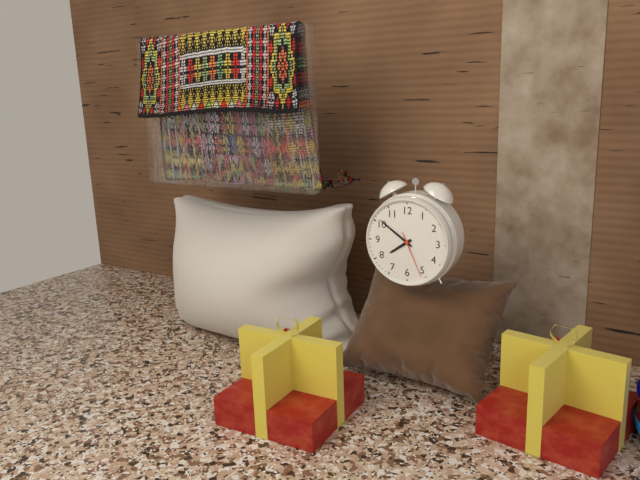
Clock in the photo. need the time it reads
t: 7:51
